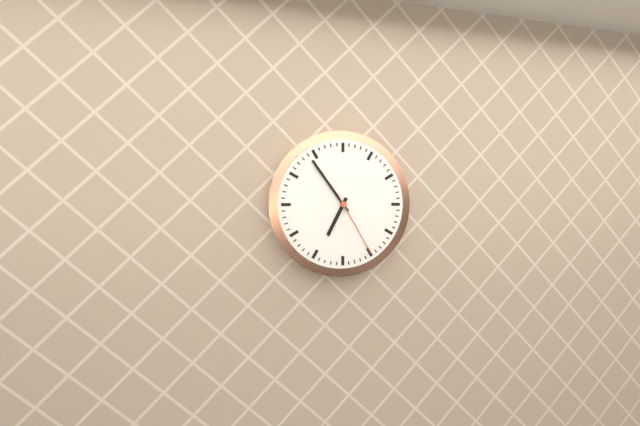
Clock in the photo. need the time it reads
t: 6:54:25
